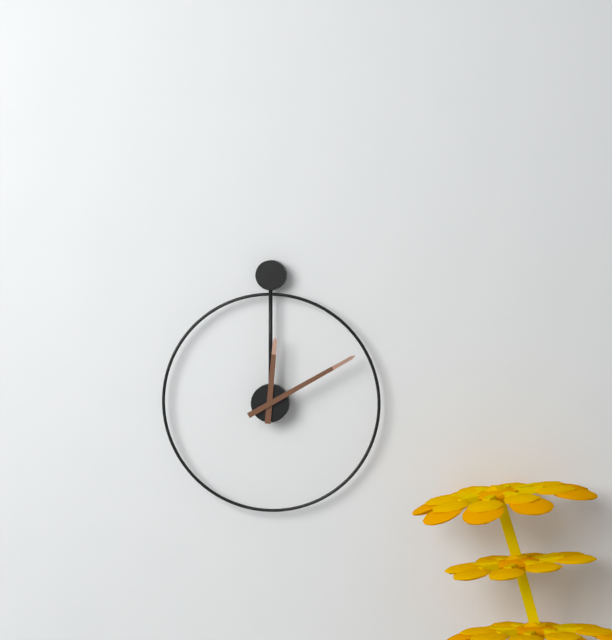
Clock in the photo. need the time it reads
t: 12:10
